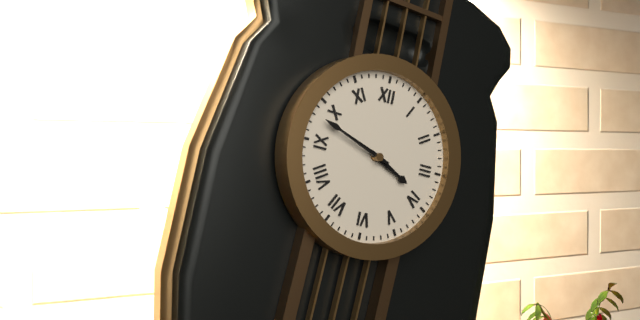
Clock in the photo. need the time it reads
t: 3:48
